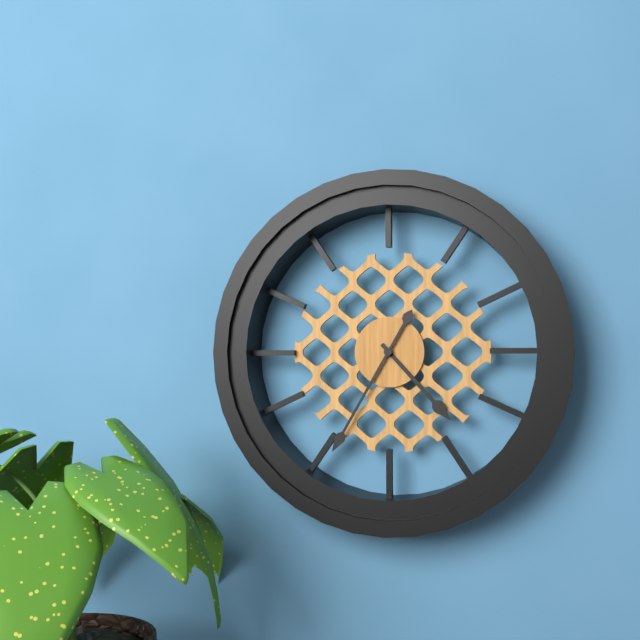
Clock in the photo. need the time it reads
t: 4:35
